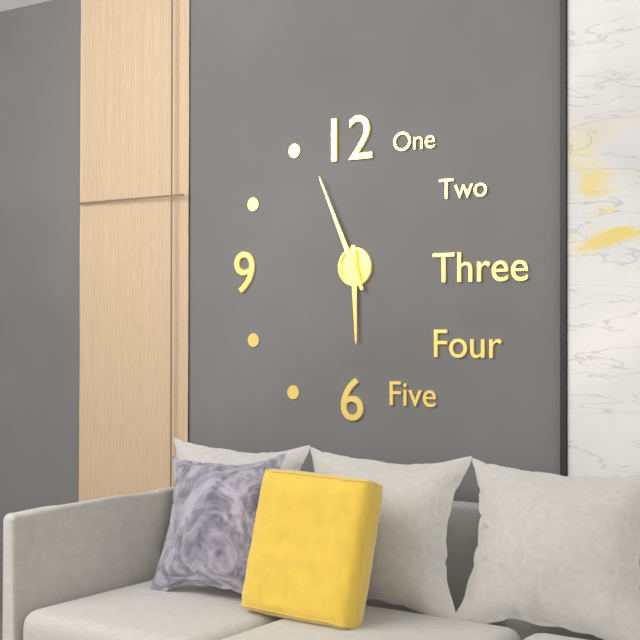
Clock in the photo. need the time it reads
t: 5:56
